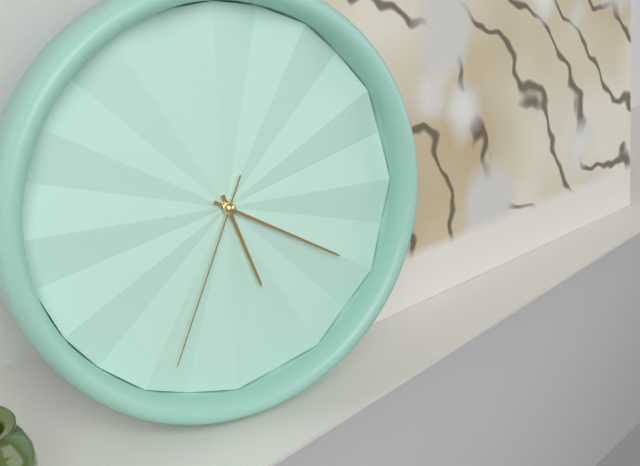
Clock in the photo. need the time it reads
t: 5:20:34
